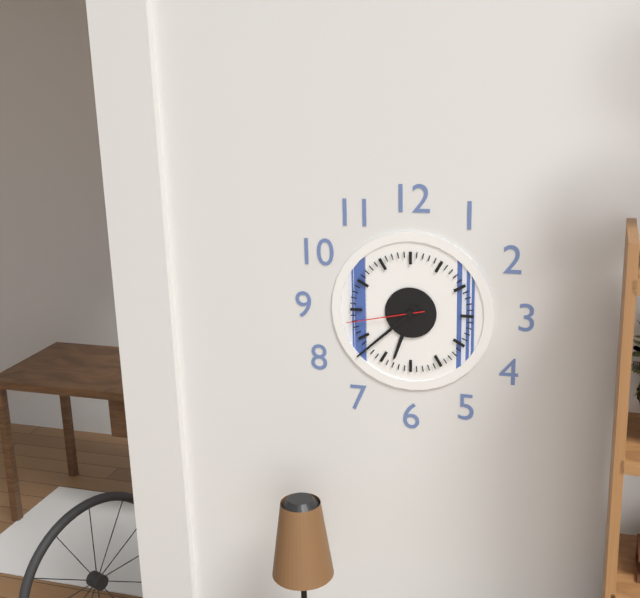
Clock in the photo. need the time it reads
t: 6:38:43
